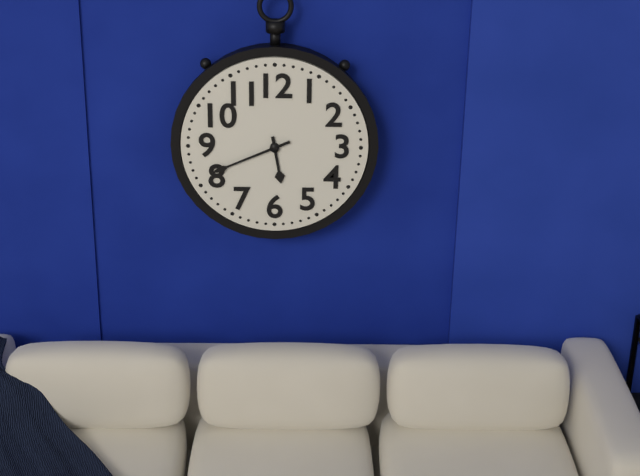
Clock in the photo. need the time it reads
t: 5:41
